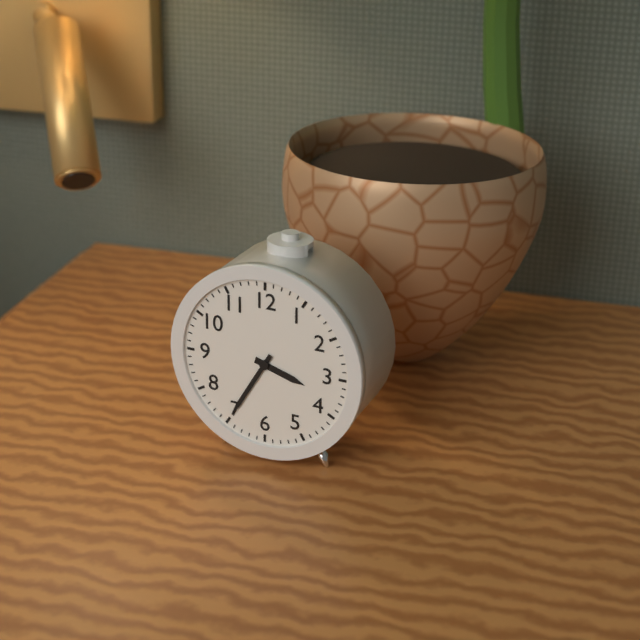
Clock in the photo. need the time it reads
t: 3:35
